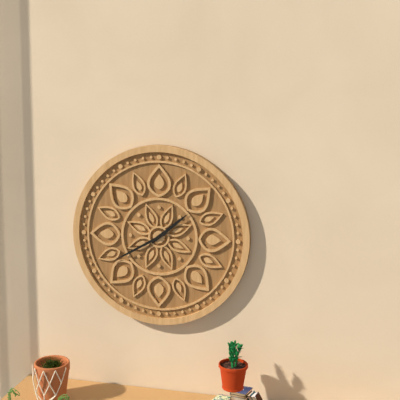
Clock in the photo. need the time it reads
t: 1:40
